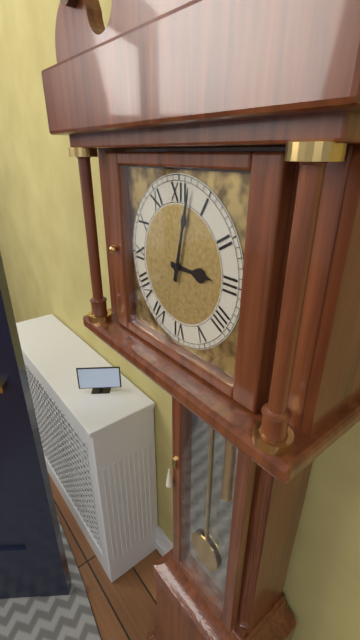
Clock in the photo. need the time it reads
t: 3:02
